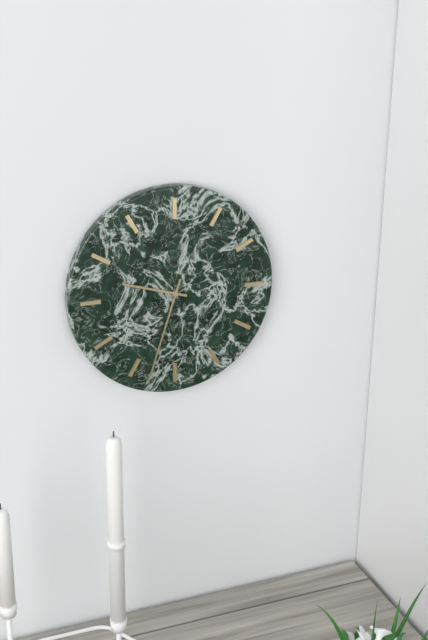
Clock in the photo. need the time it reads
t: 9:33
